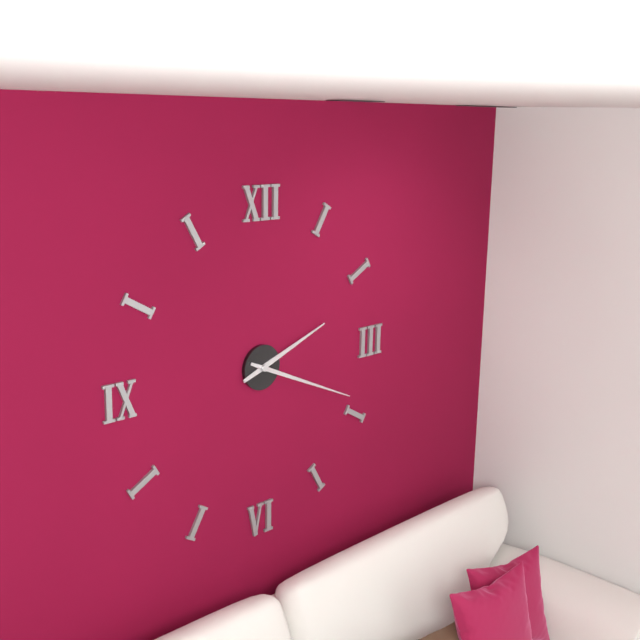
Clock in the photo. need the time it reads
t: 2:19
